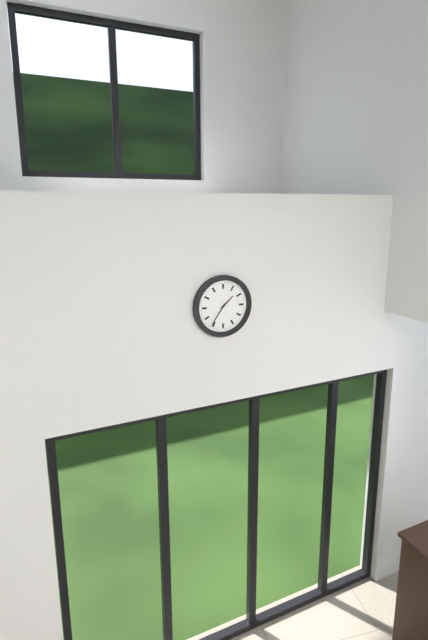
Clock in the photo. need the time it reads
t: 1:36
